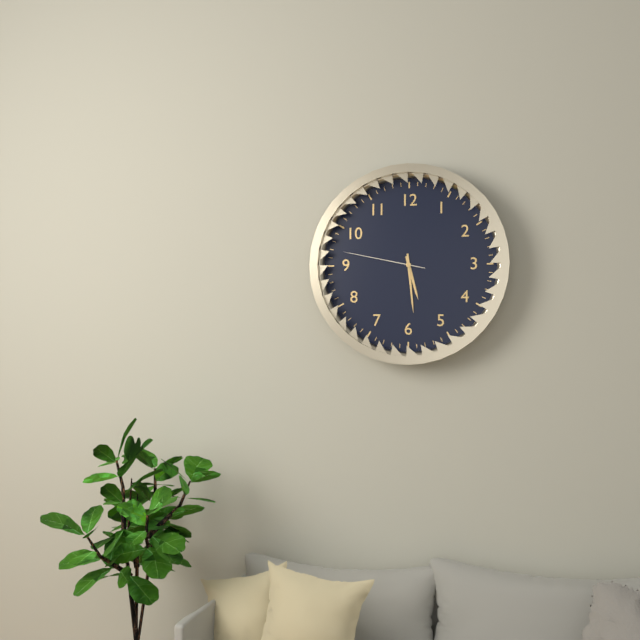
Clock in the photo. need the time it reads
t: 5:29:47
